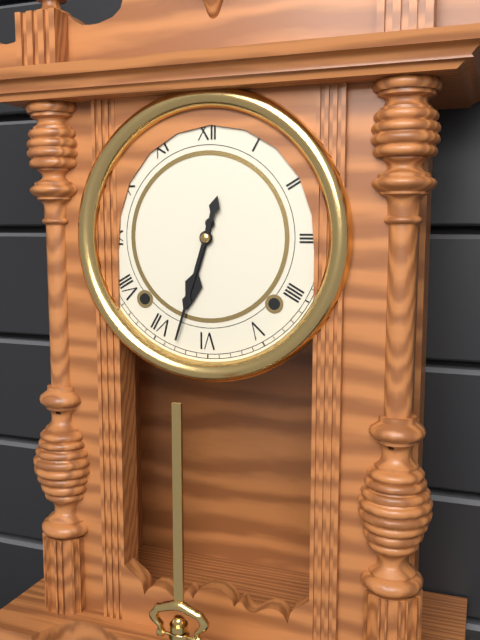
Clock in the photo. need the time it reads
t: 6:33
